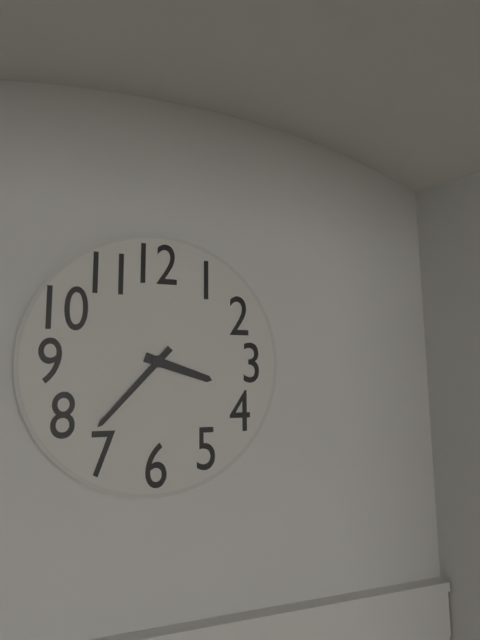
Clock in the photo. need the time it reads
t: 3:37
